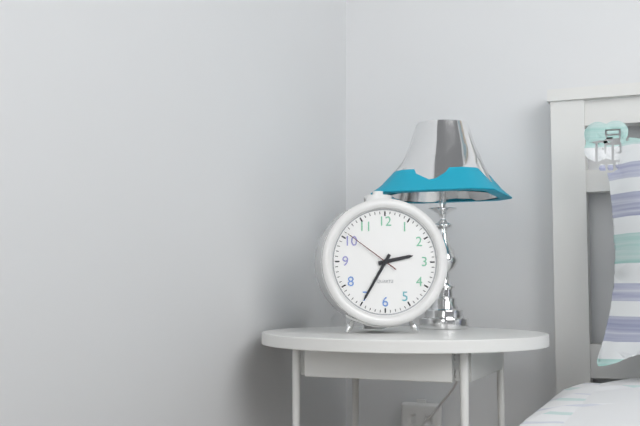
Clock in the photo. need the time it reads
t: 2:35:51
